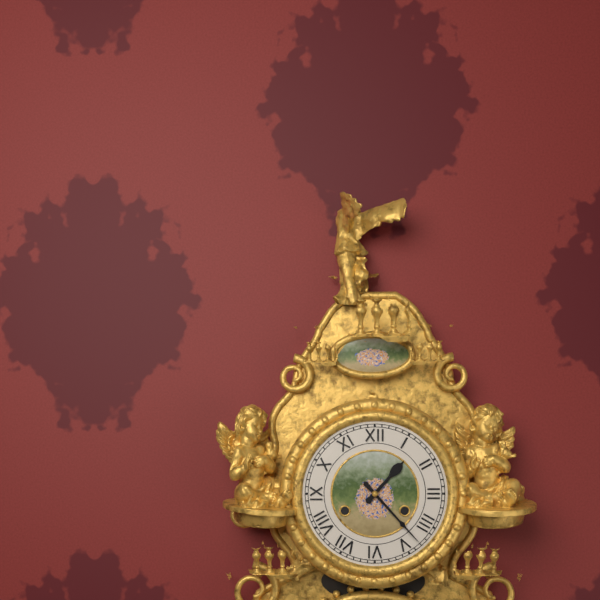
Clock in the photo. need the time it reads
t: 1:23
